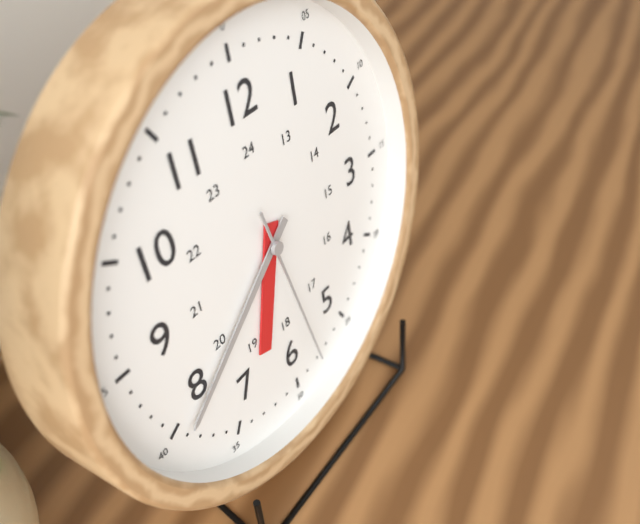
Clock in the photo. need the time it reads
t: 6:39:28
